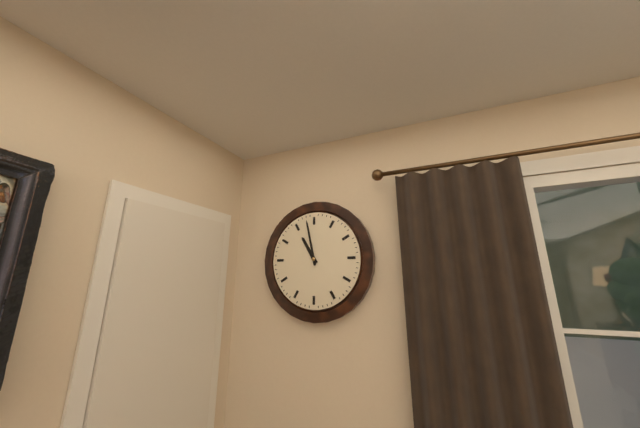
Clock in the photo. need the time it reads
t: 10:58
